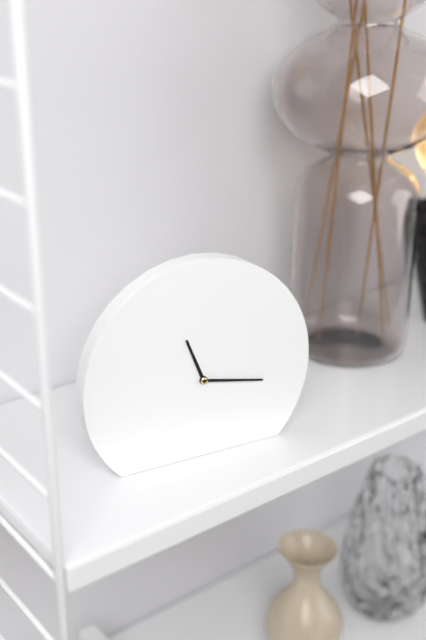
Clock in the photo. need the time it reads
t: 11:17
